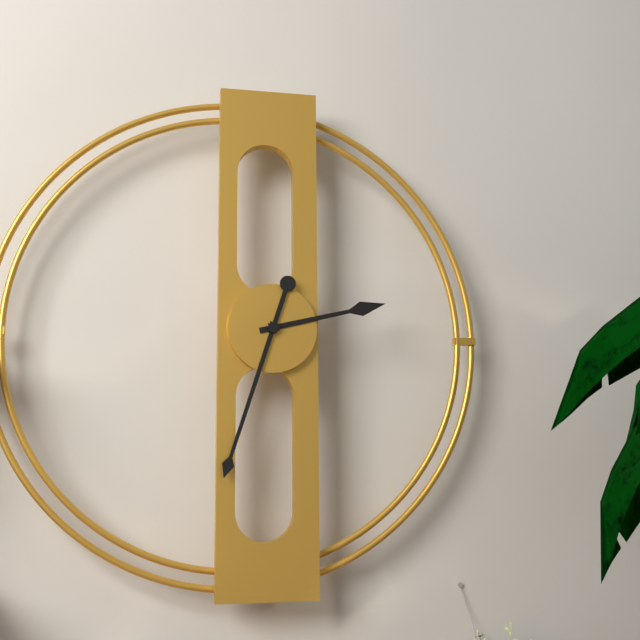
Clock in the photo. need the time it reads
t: 2:33
